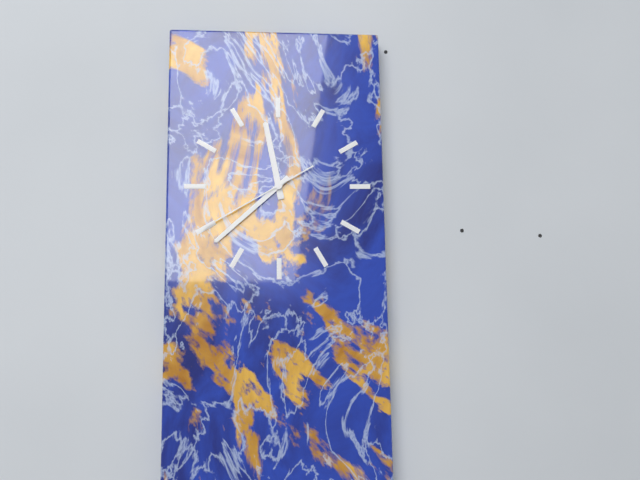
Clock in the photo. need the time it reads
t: 11:38:40
